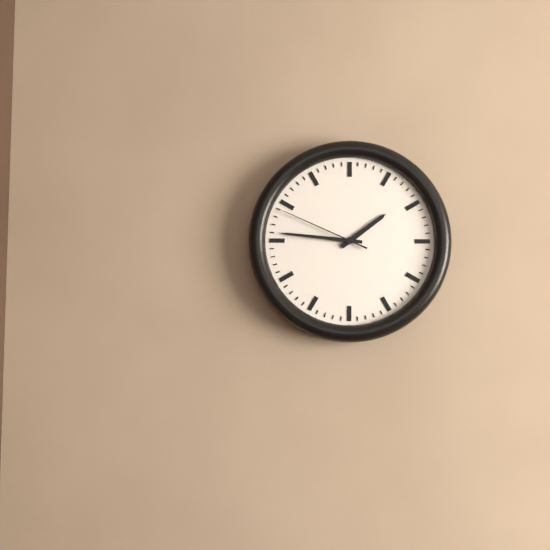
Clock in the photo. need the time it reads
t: 1:46:49
